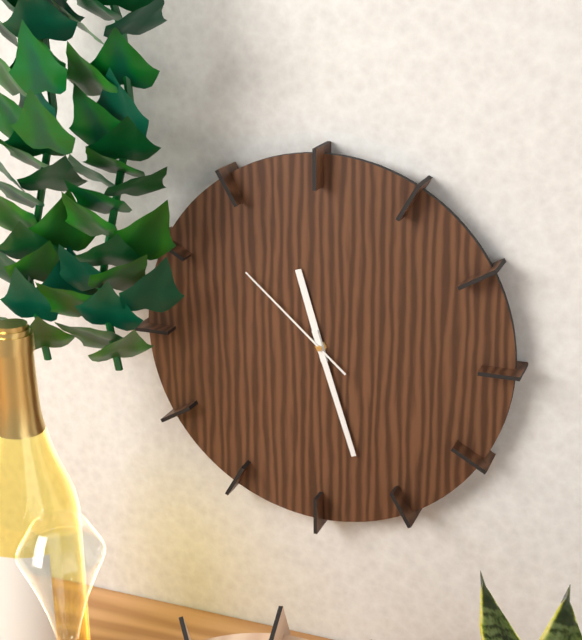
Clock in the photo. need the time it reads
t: 11:27:52
